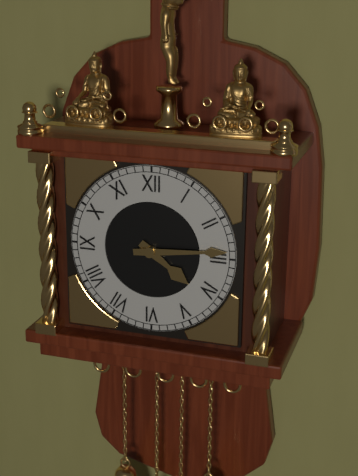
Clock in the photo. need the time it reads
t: 4:14
